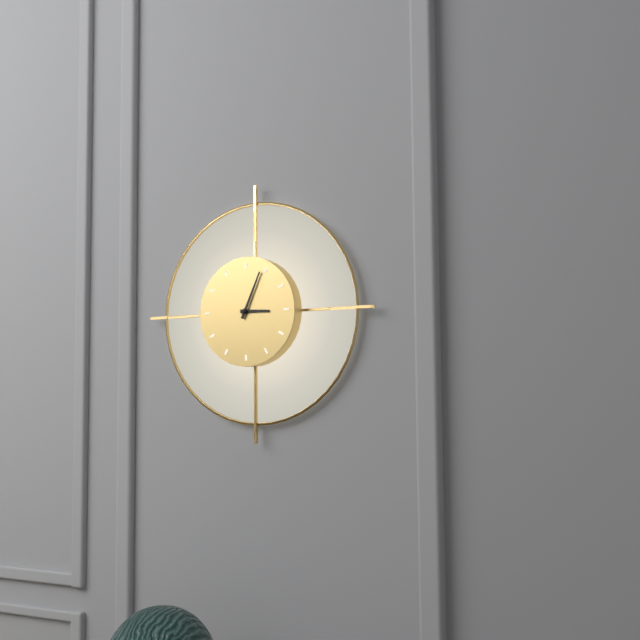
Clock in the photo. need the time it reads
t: 3:04
